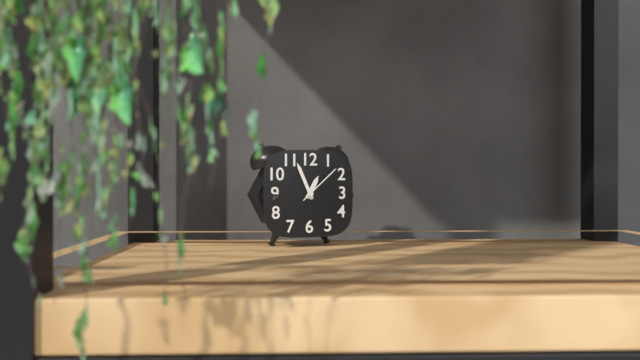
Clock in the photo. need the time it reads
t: 12:56
